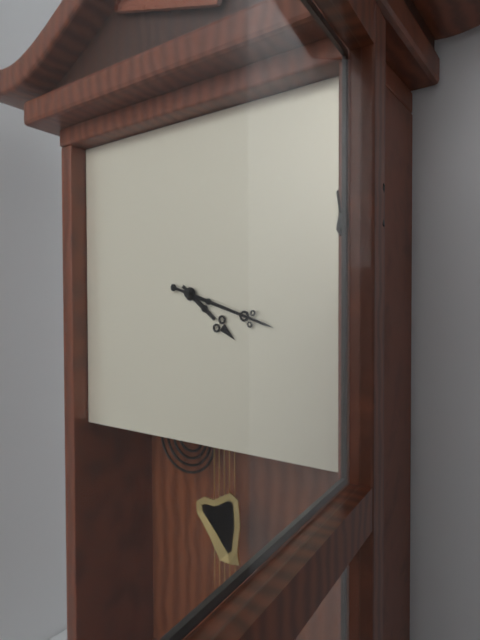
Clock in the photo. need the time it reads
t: 4:18
